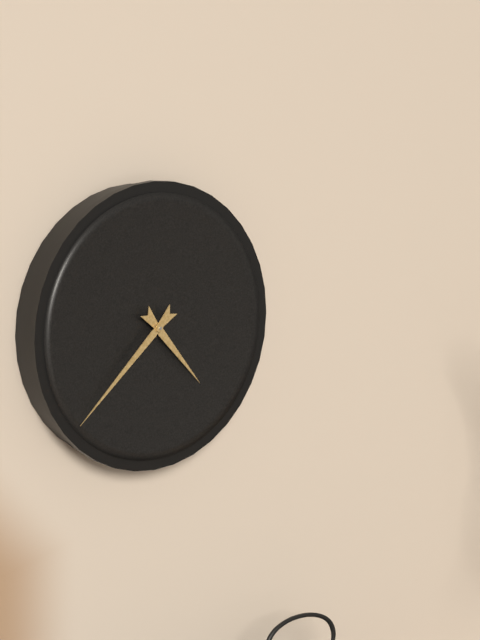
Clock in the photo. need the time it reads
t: 4:38
